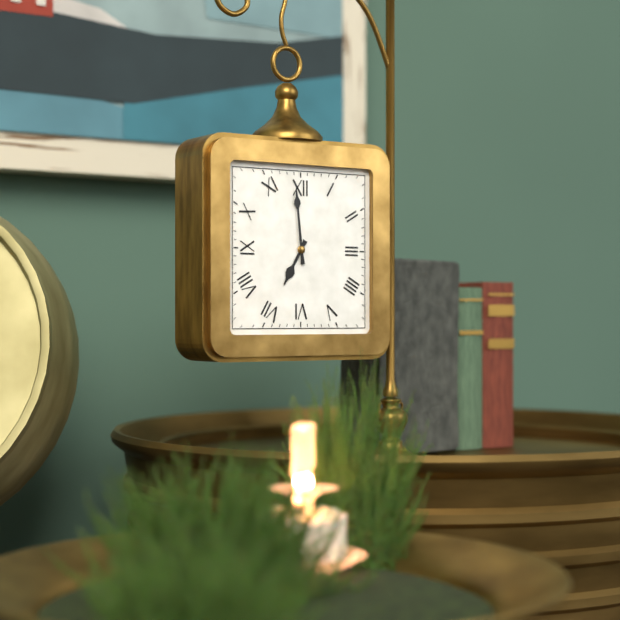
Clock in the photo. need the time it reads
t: 6:59
